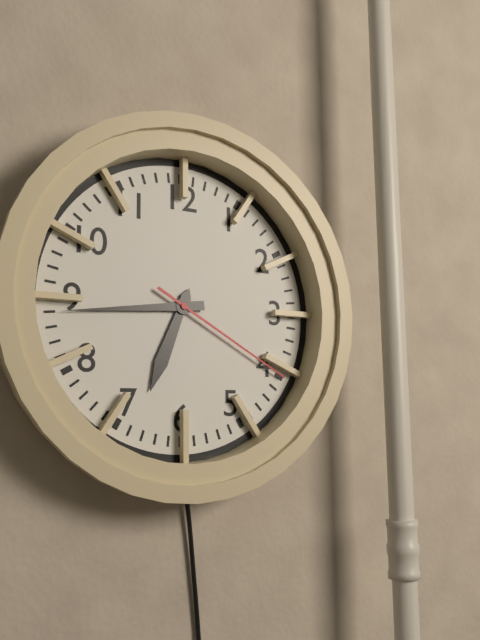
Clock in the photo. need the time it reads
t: 6:44:20
